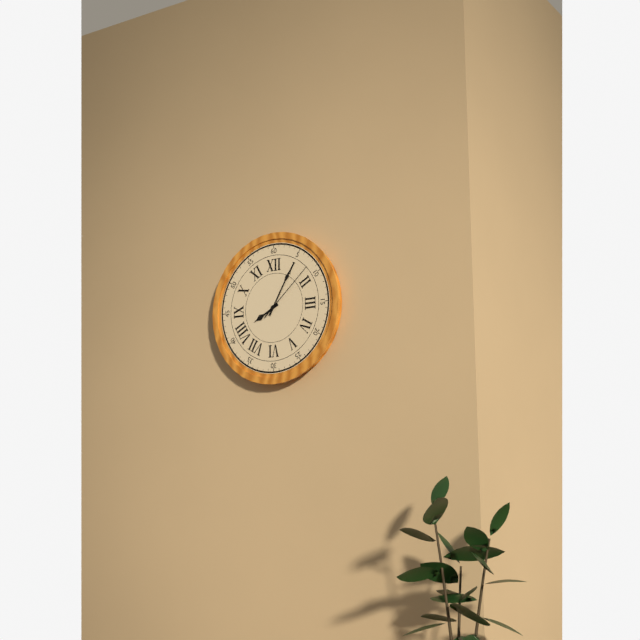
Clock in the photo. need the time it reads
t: 8:05:08
